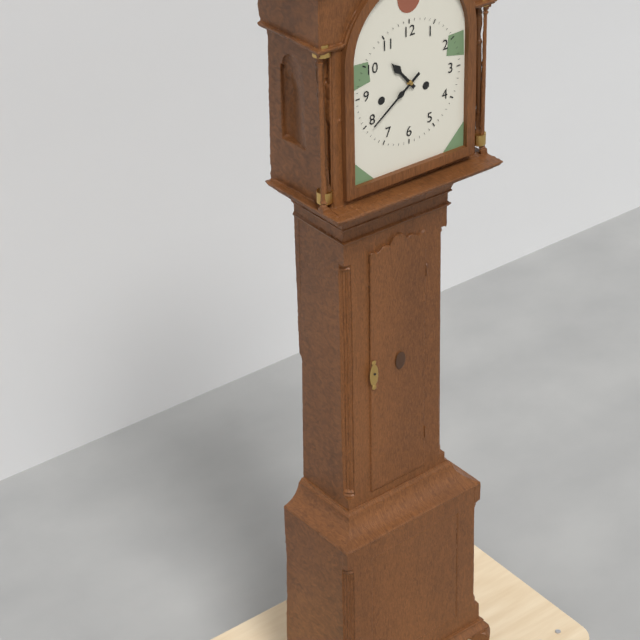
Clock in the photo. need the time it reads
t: 10:39
